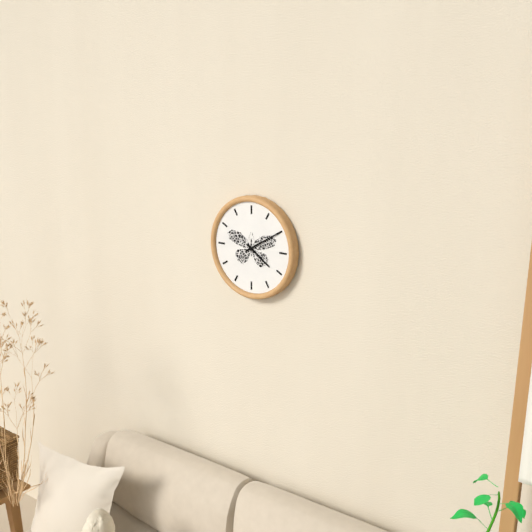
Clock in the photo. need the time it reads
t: 4:10
